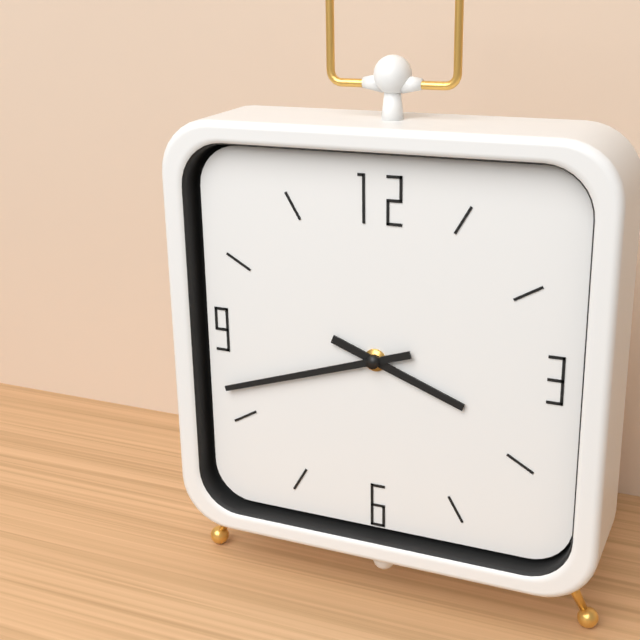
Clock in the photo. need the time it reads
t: 3:42
